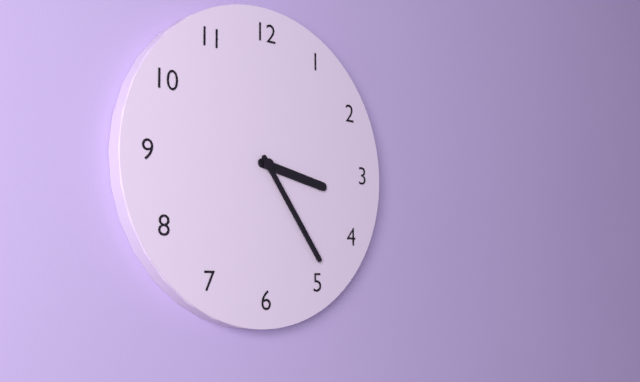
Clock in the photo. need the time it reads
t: 3:24
